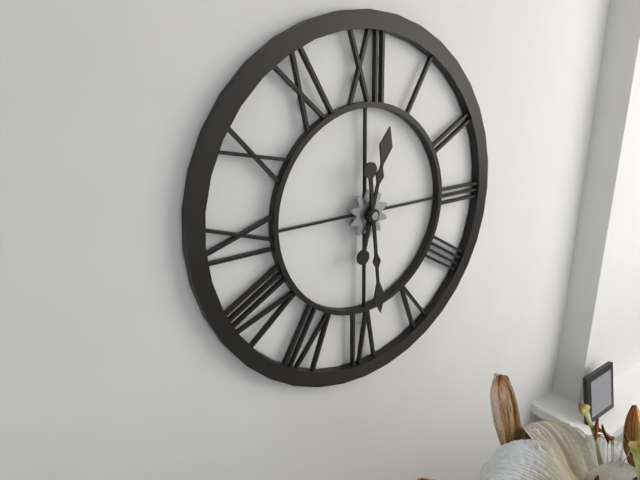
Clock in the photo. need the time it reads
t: 12:29
